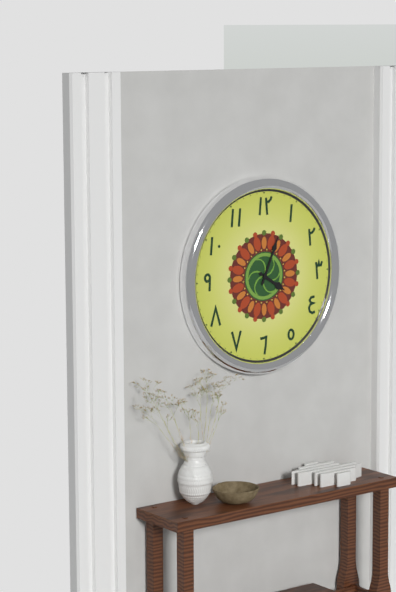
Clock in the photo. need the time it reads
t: 4:04
